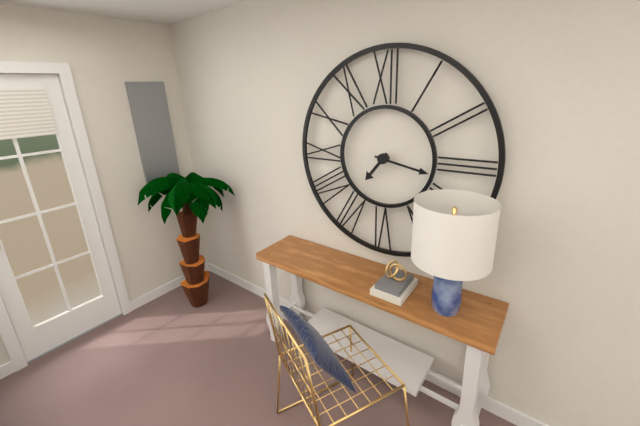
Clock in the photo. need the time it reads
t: 7:17
